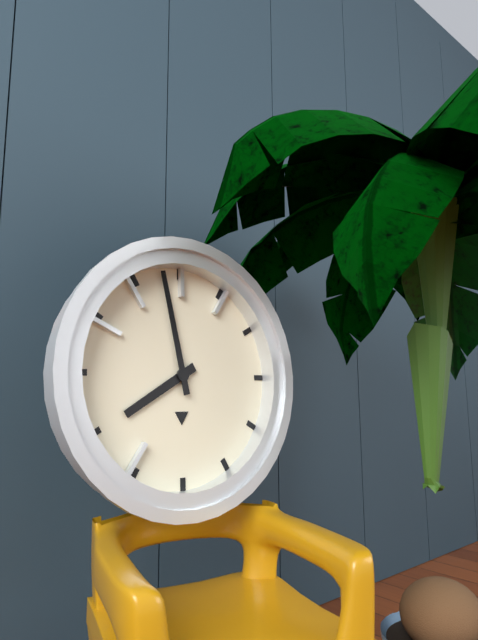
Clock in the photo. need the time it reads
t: 7:58
